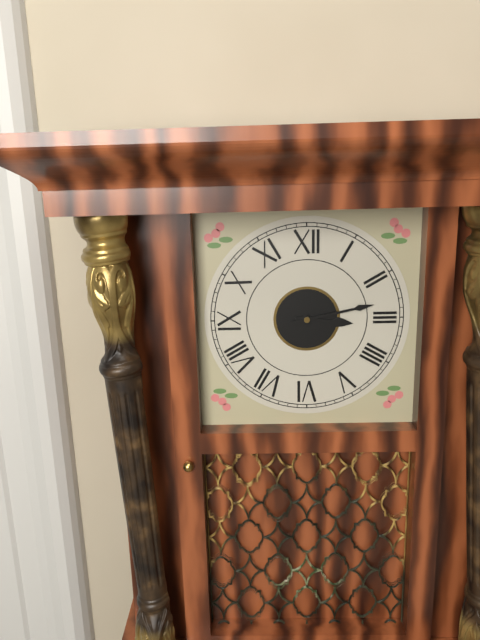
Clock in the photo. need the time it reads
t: 3:13
